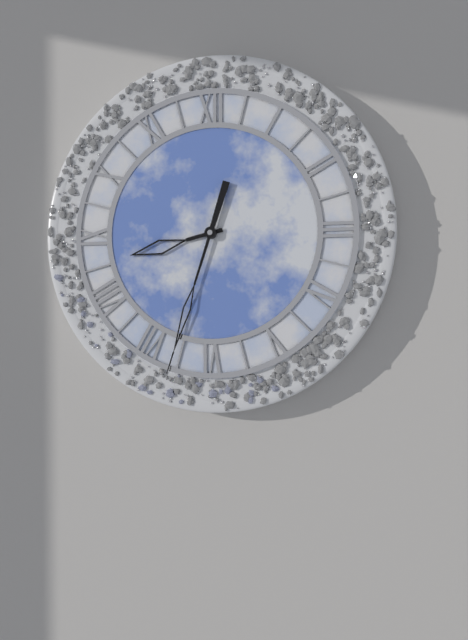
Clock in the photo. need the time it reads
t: 8:33
